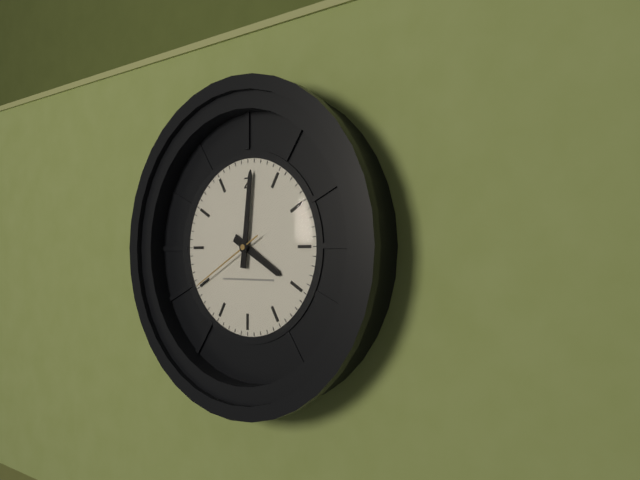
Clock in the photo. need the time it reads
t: 4:01:40
